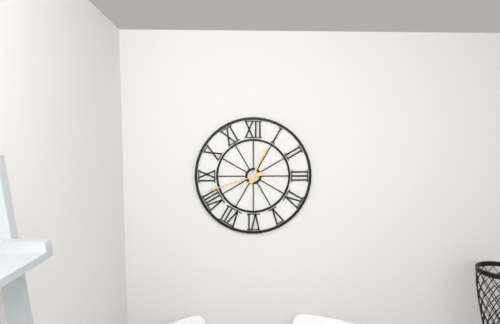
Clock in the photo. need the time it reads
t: 12:42
